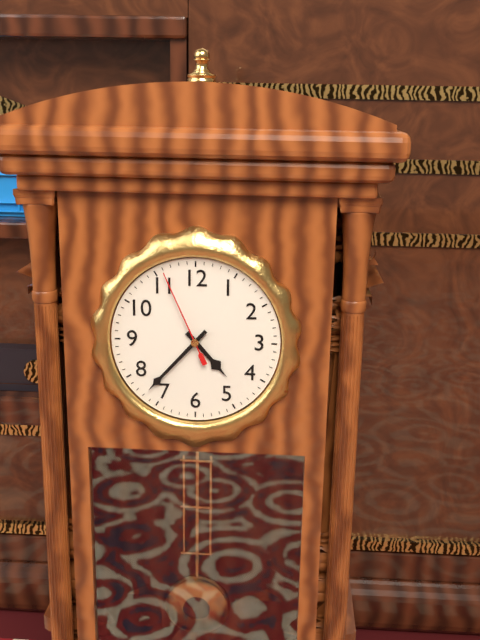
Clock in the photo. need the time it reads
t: 4:37:56
